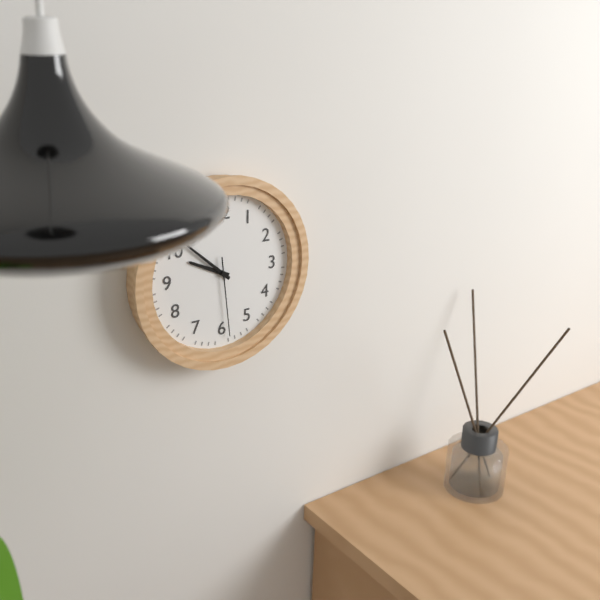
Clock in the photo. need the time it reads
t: 9:52:29
